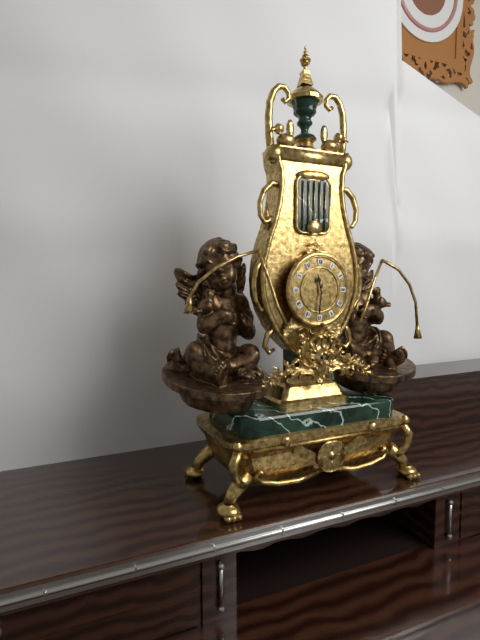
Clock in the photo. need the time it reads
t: 11:31
